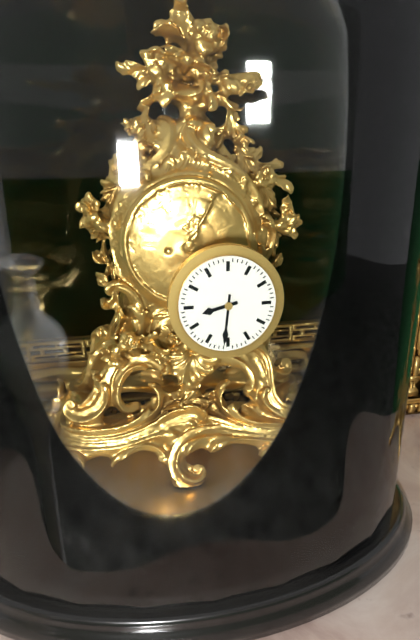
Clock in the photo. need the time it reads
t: 8:31
